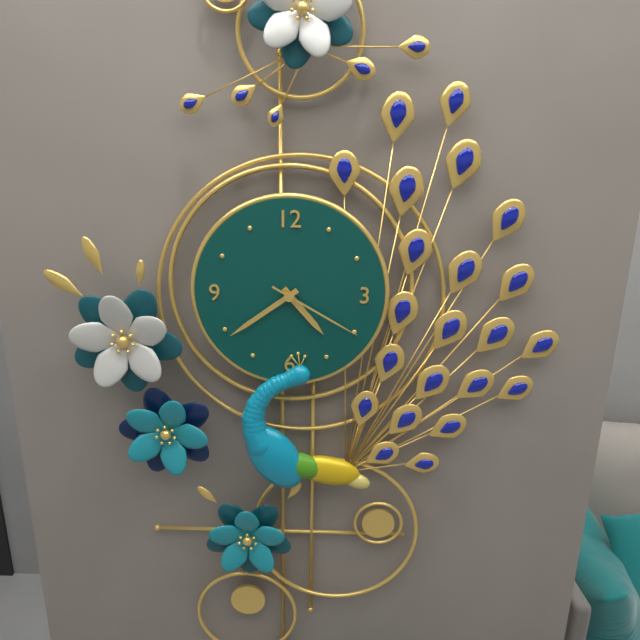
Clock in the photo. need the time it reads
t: 4:39:20
